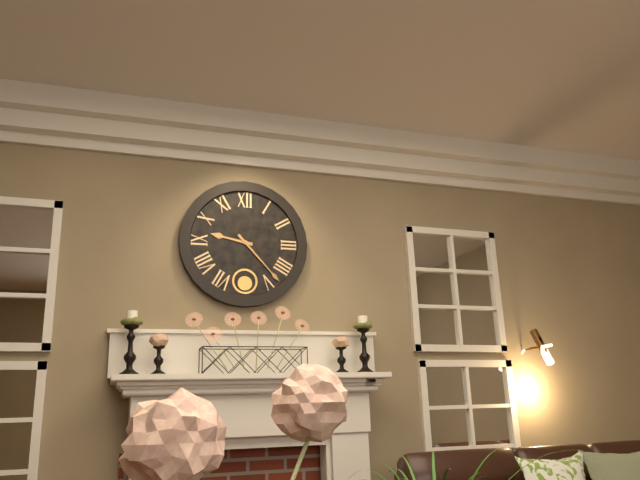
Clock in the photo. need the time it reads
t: 9:23
